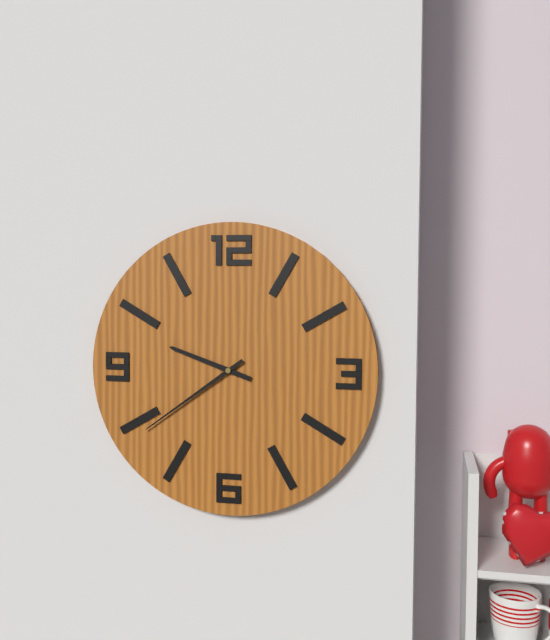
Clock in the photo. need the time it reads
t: 9:39
